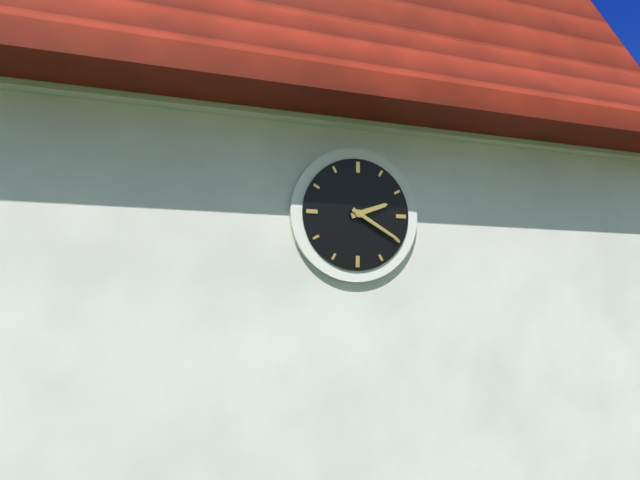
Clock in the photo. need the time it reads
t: 2:20
